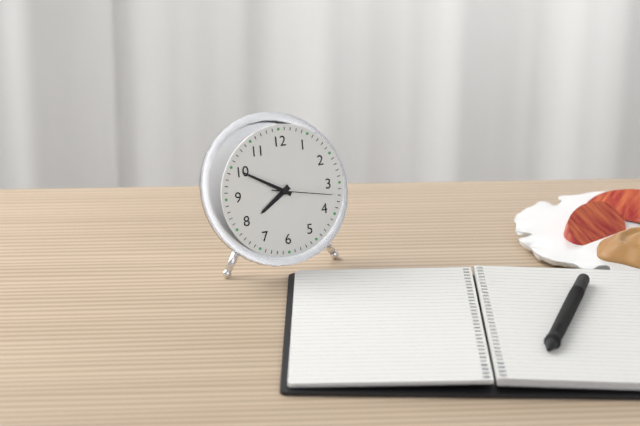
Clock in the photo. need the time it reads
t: 7:50:17
